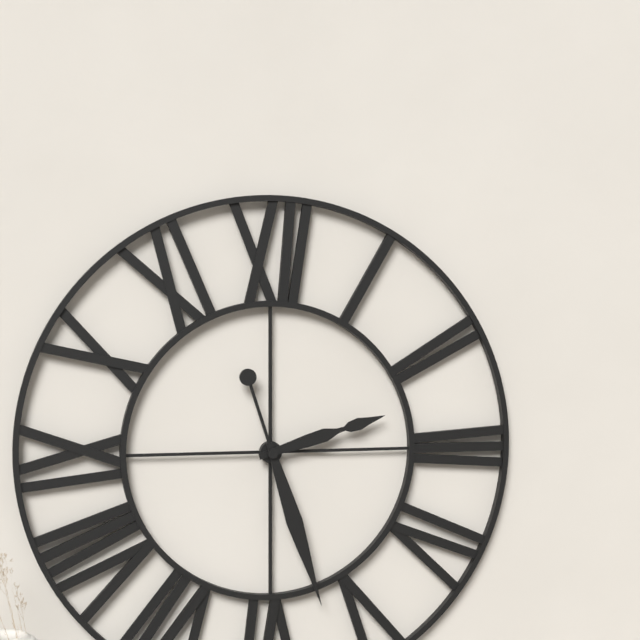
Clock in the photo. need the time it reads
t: 2:27
